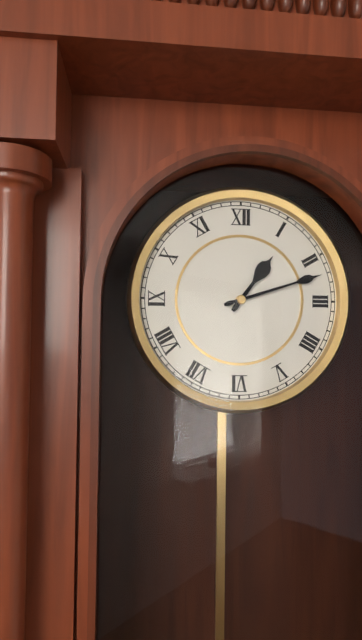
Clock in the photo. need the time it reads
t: 1:12
